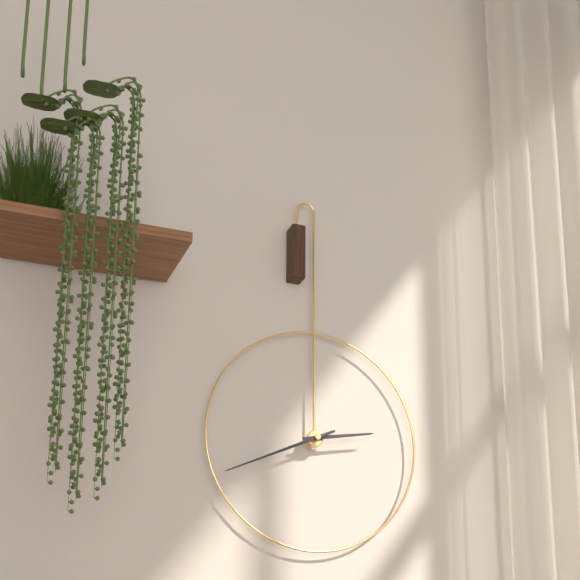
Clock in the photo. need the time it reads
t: 2:41
